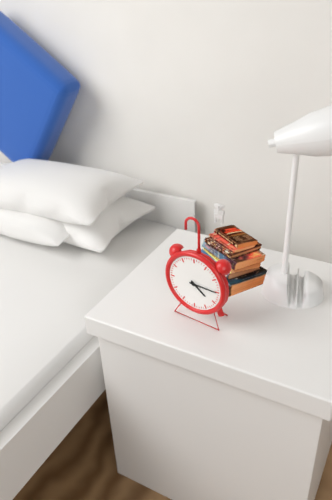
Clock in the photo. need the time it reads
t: 4:15
